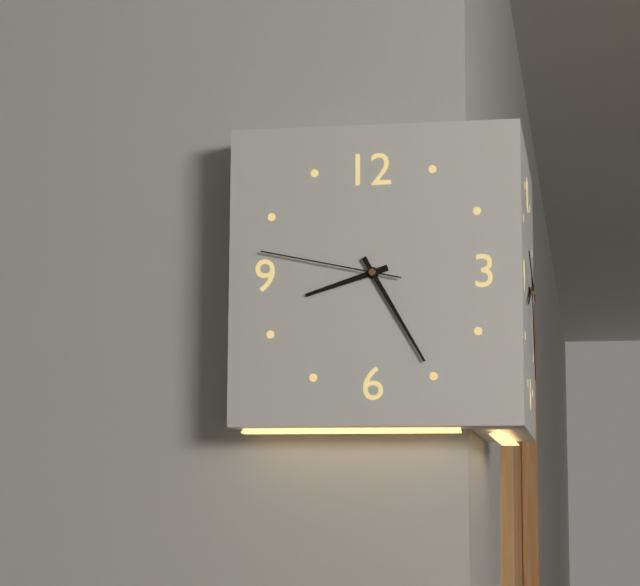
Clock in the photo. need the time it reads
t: 8:25:47
